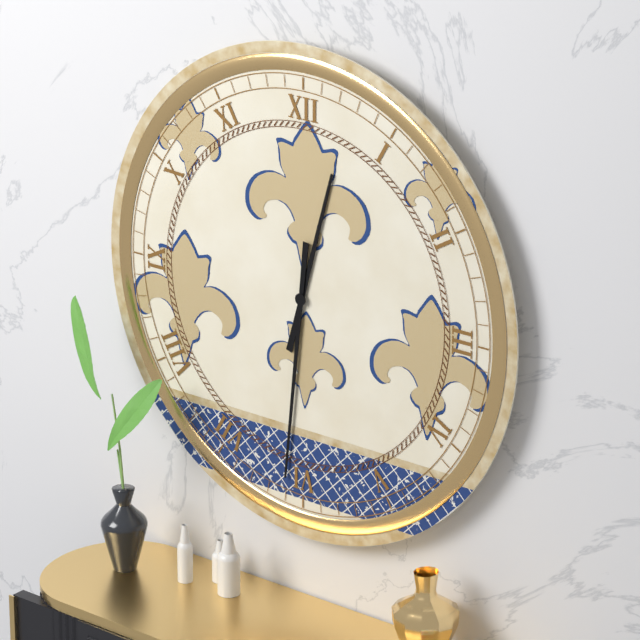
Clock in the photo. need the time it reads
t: 12:31
